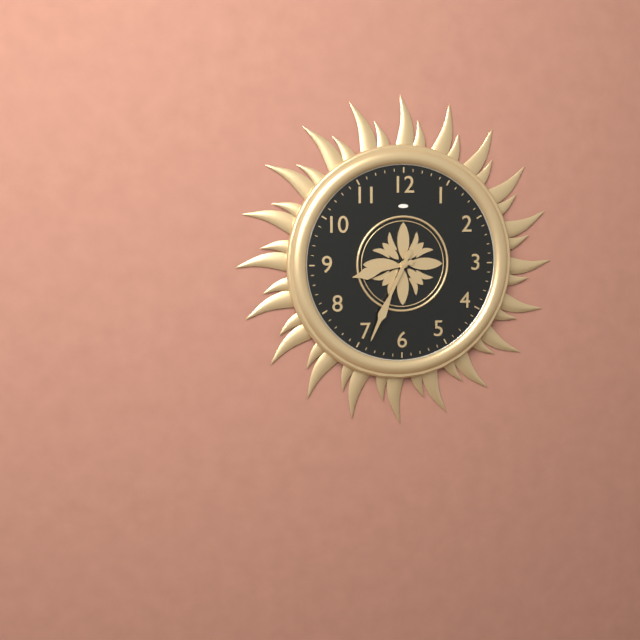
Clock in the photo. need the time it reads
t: 8:34
